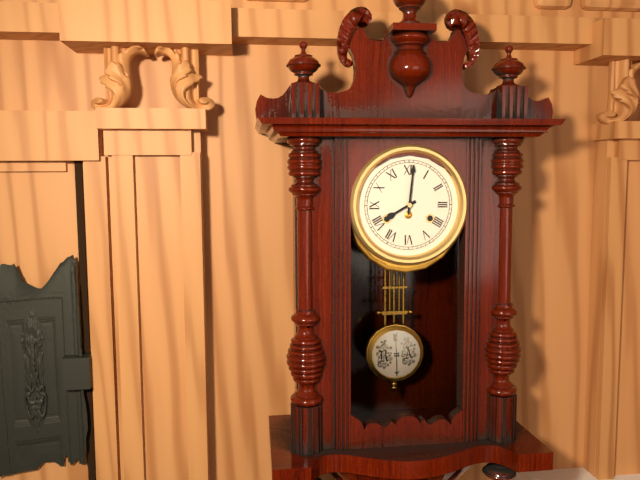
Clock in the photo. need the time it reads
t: 8:01
